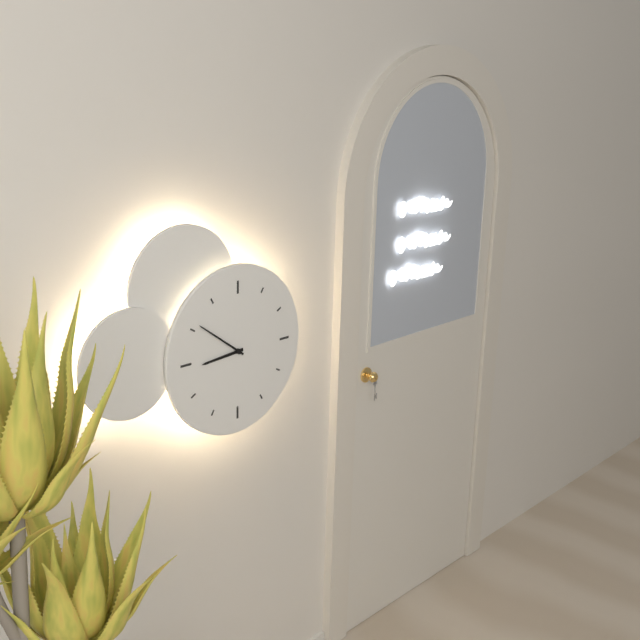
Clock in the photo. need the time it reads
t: 8:51
